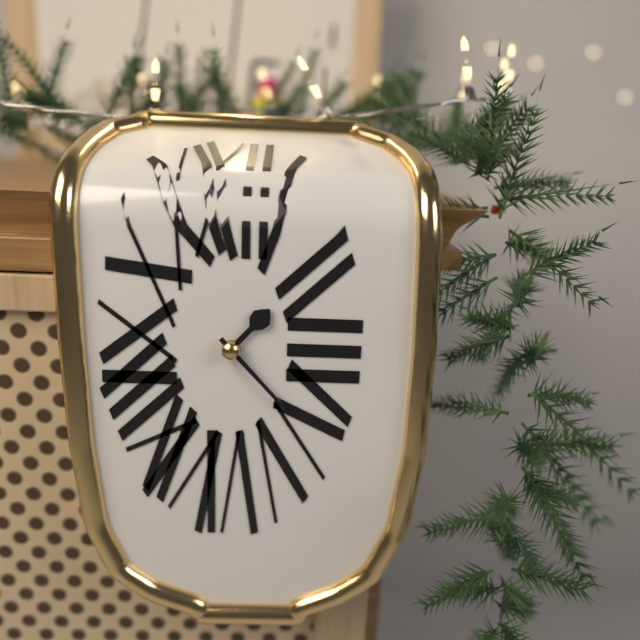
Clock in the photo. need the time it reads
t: 1:23
